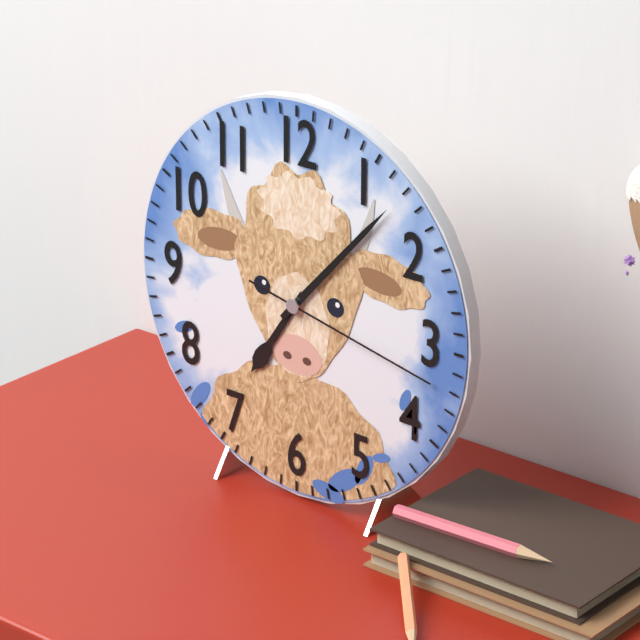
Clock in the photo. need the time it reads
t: 7:07:17
